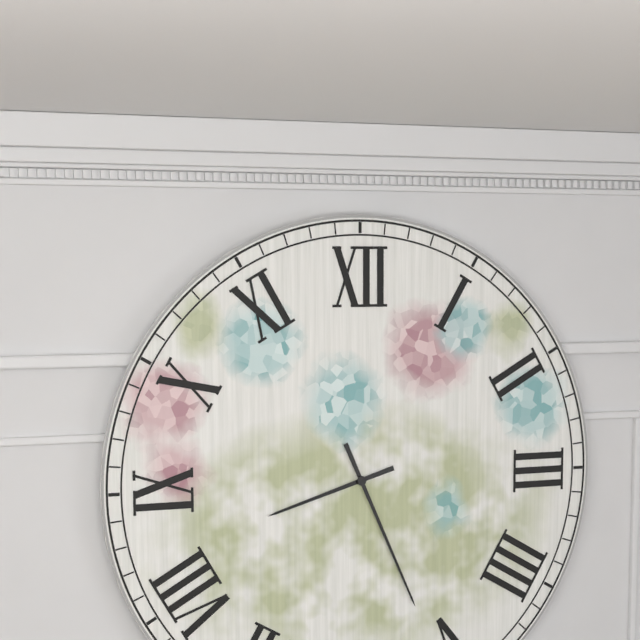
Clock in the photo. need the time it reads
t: 8:26
